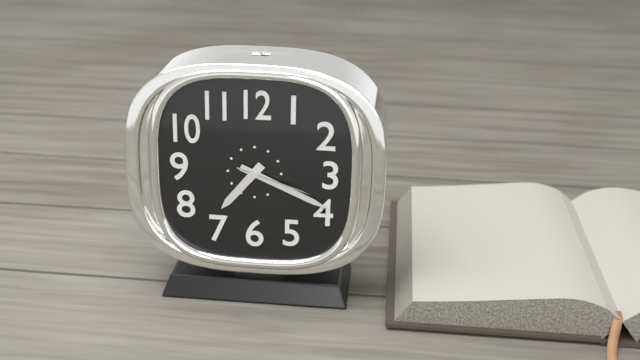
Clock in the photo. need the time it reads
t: 7:19:18
